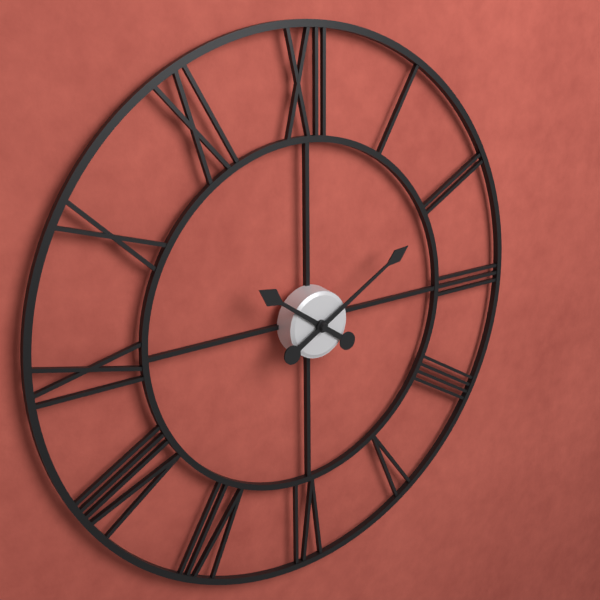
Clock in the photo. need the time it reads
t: 10:10
